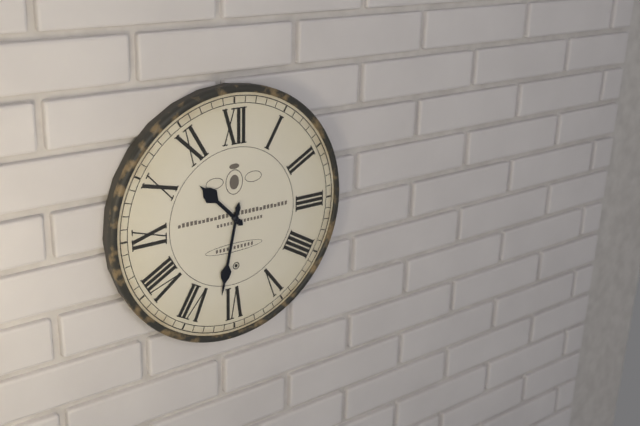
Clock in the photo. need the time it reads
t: 10:32
